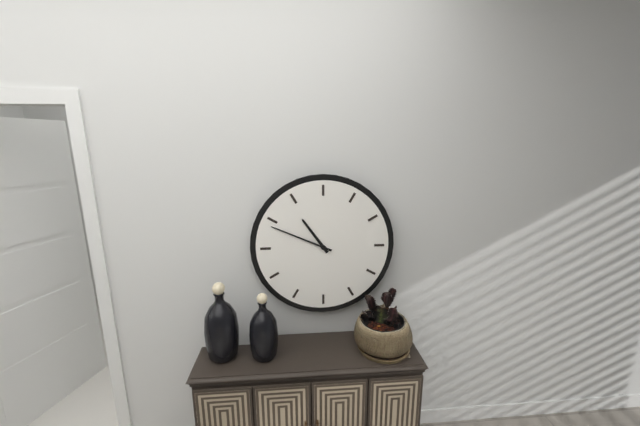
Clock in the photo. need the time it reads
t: 10:49
